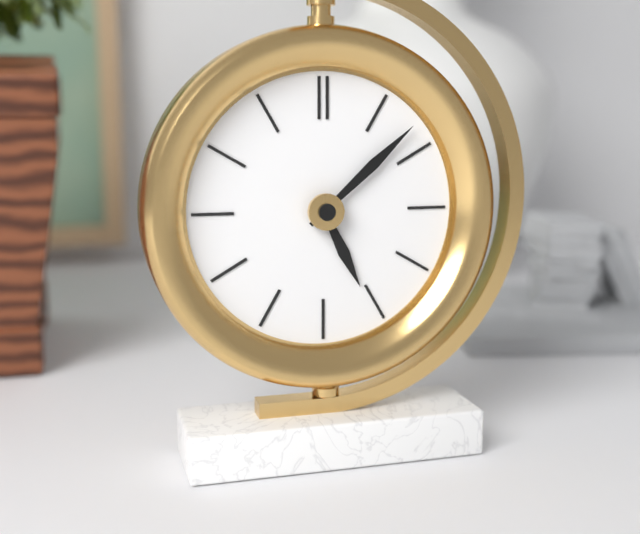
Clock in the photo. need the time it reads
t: 5:08
